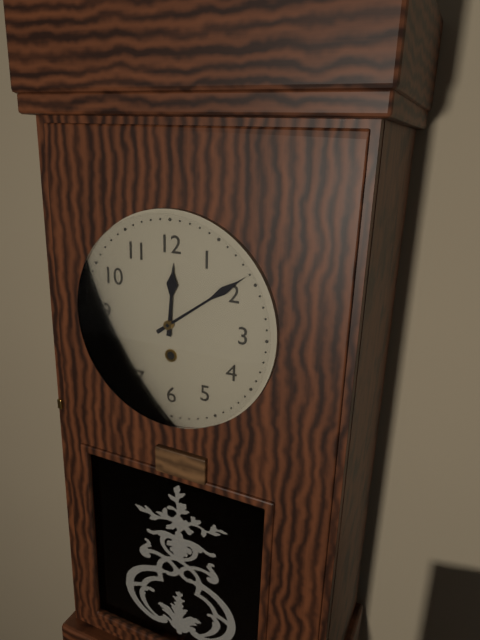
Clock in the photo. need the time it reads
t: 12:09
